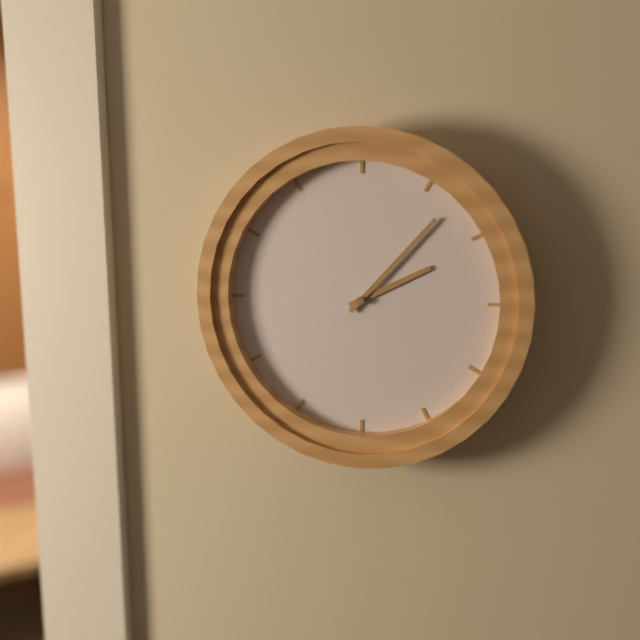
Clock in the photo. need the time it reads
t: 2:07
